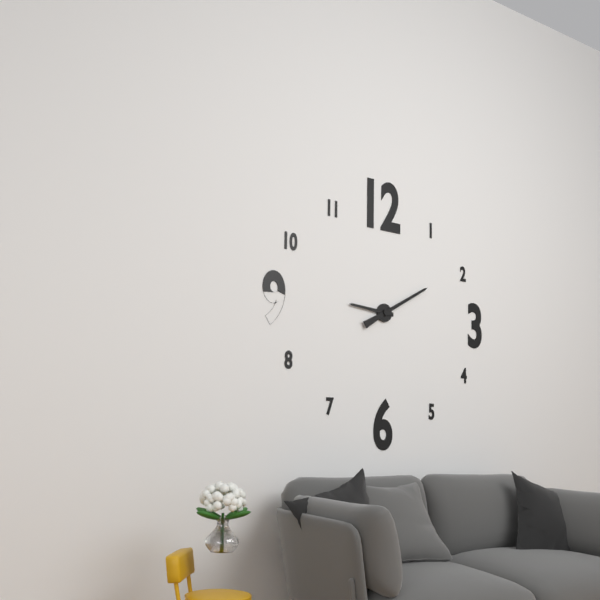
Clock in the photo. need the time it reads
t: 9:10
